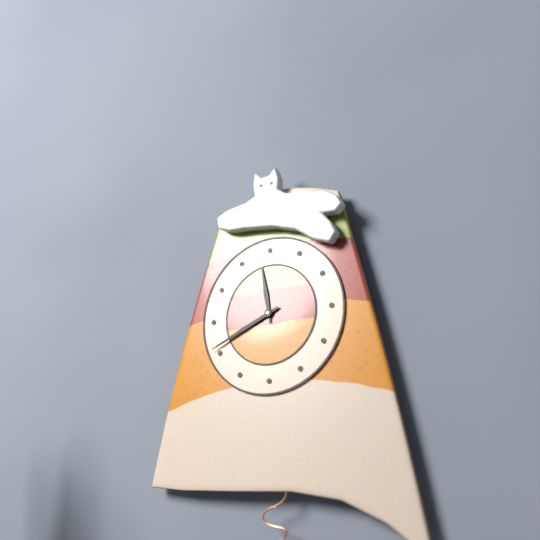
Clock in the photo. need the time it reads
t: 11:41
